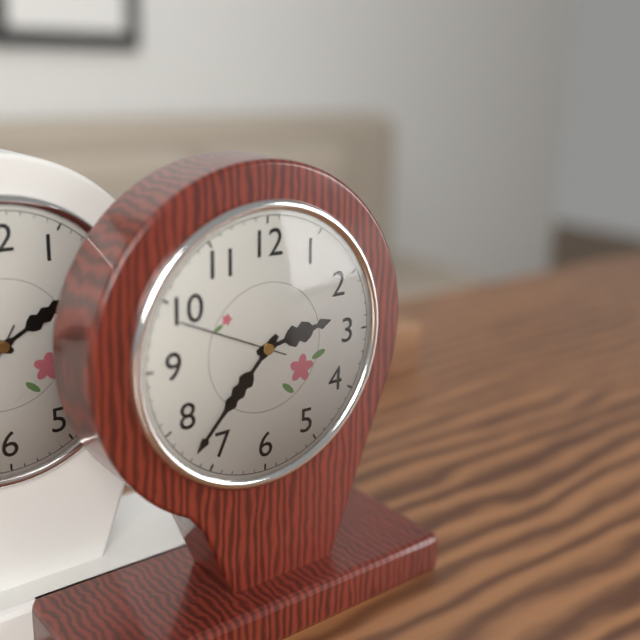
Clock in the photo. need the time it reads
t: 2:37:49
